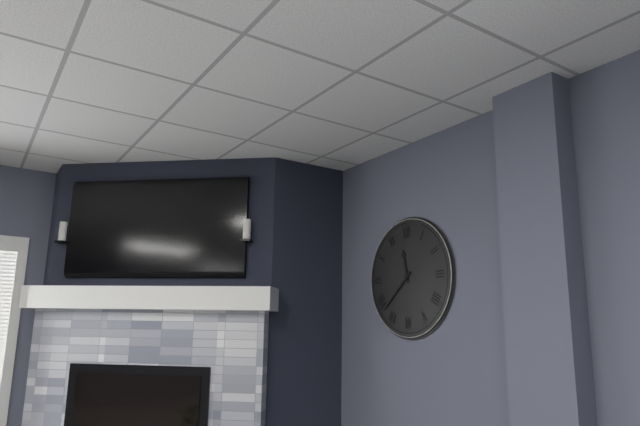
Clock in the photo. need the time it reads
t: 11:38
